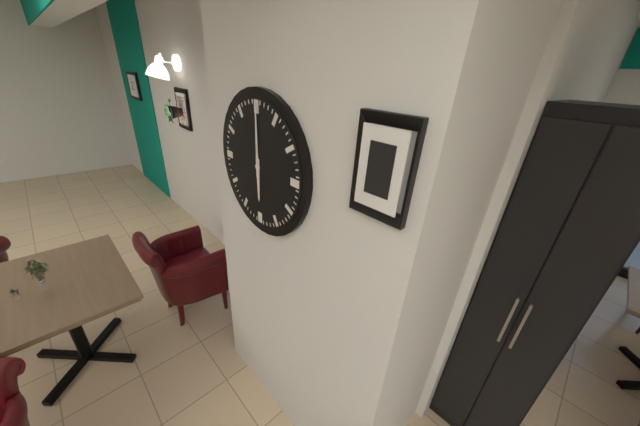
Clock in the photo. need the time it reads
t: 6:00
